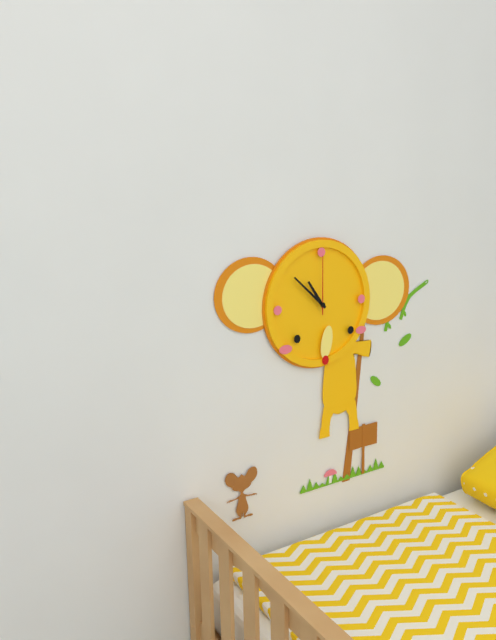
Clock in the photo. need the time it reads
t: 10:52:00
